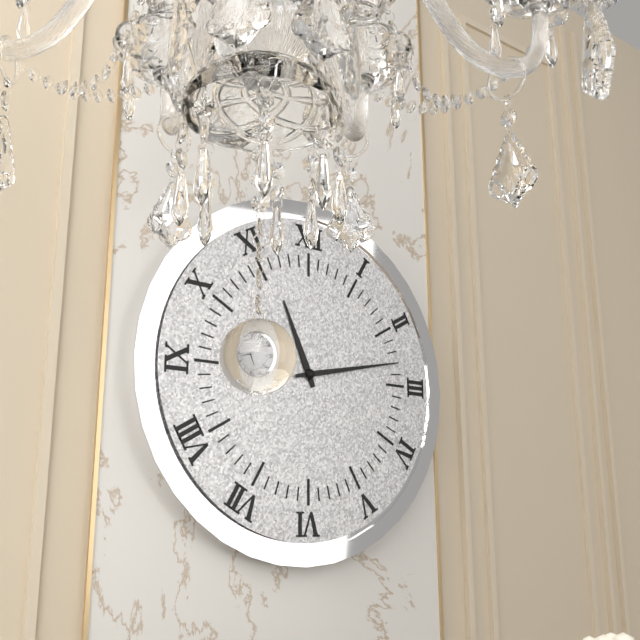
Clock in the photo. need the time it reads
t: 11:13
